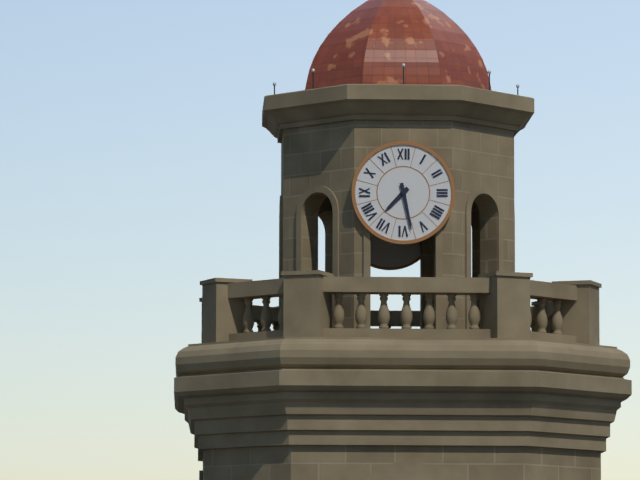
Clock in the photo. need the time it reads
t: 7:28
